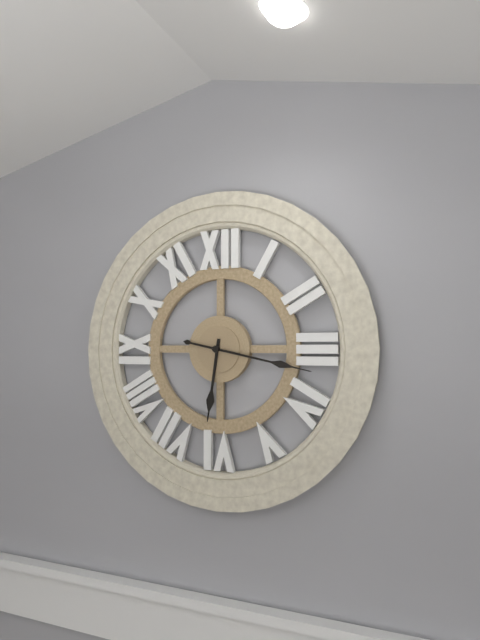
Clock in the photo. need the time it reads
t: 6:17
